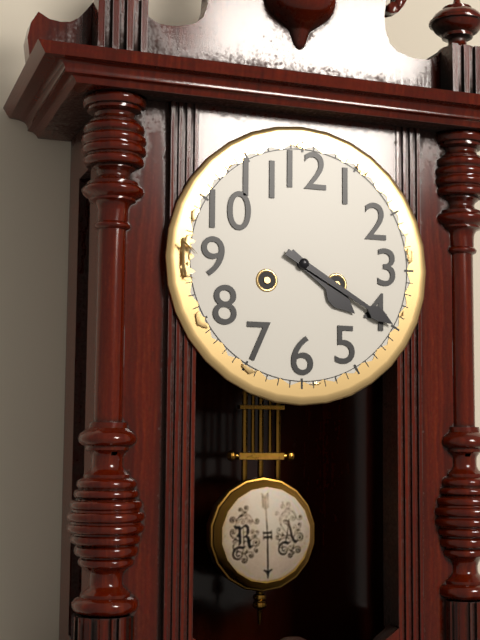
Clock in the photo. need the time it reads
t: 4:20
